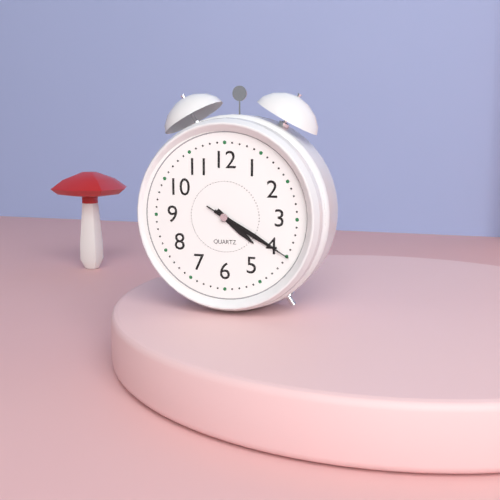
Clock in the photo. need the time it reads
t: 4:20:20
